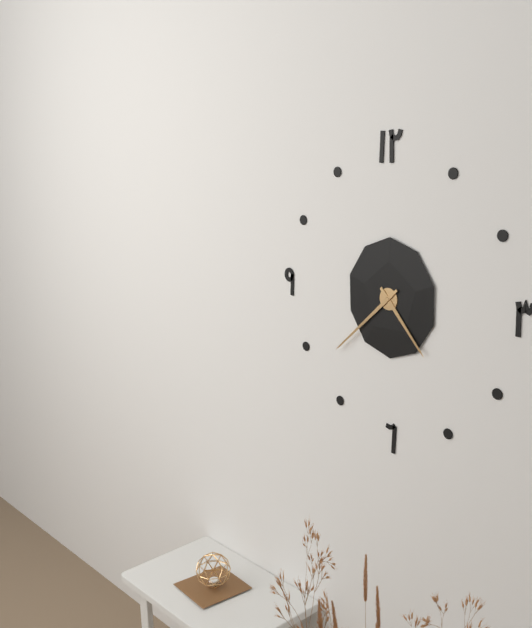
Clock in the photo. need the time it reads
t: 4:38
